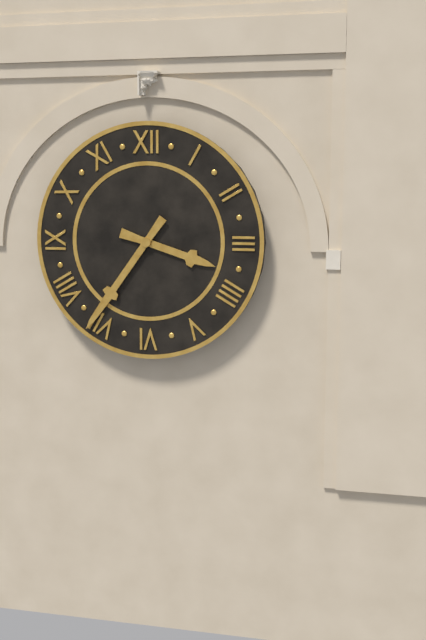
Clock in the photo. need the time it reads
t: 3:36
